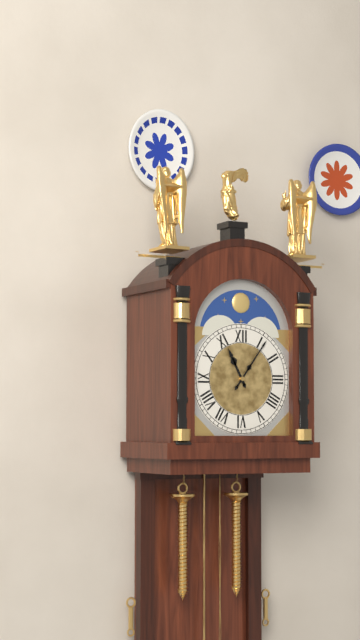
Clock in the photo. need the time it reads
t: 11:06
